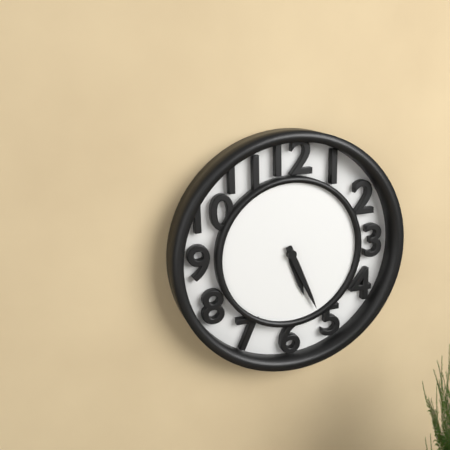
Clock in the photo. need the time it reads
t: 5:26
